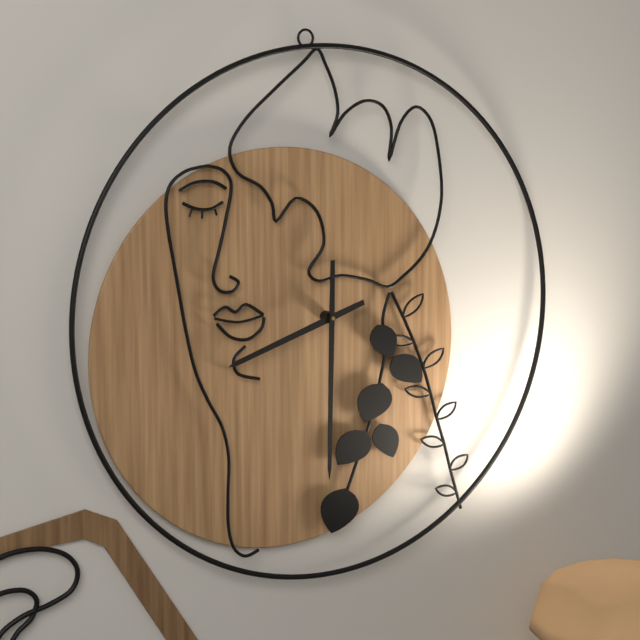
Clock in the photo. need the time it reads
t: 8:31
